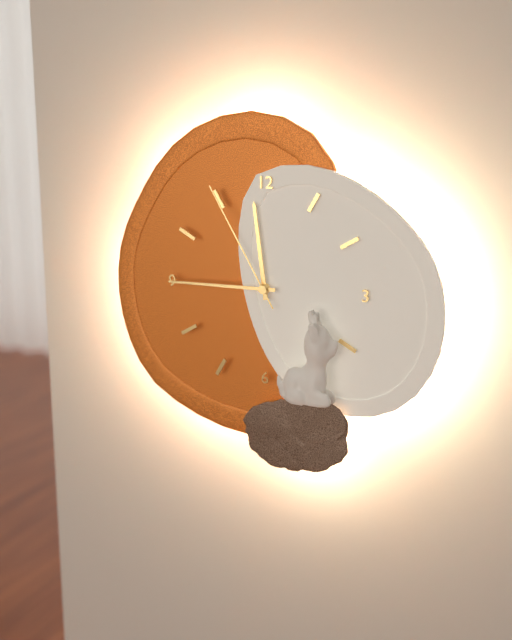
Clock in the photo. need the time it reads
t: 11:45:55
